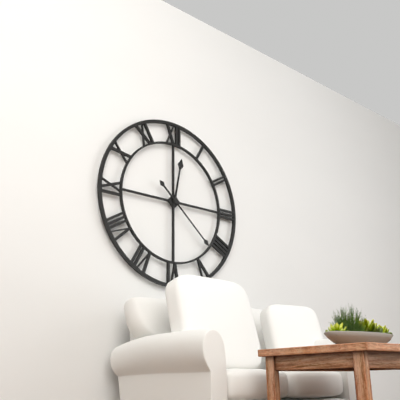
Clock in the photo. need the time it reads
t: 12:22
